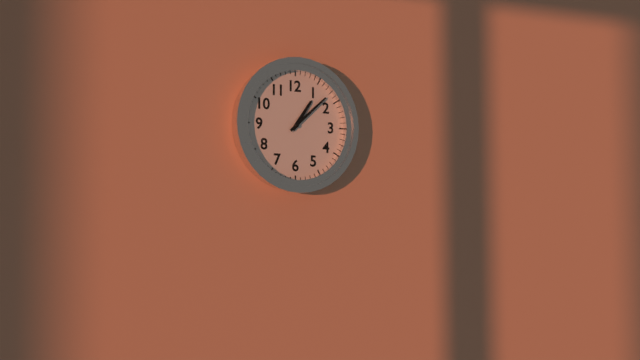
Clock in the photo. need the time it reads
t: 1:08
